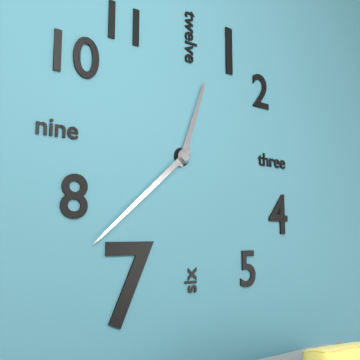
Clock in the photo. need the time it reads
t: 12:38
